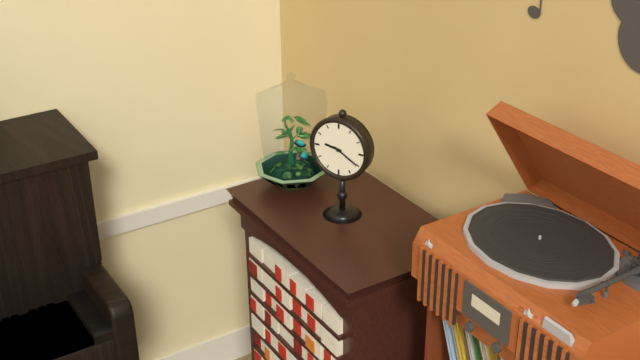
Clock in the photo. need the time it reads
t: 9:20
